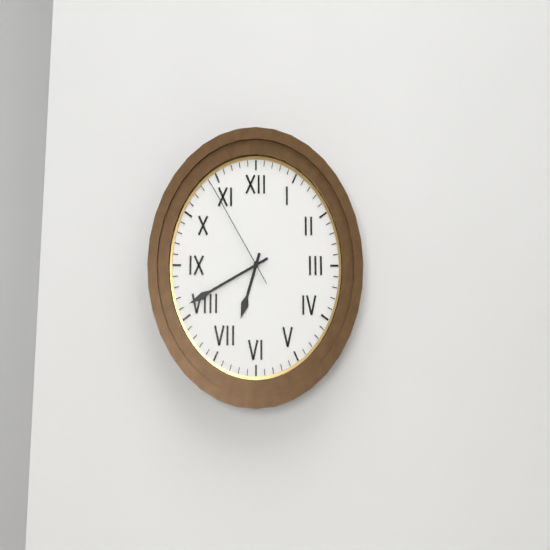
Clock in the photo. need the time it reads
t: 6:41:54
